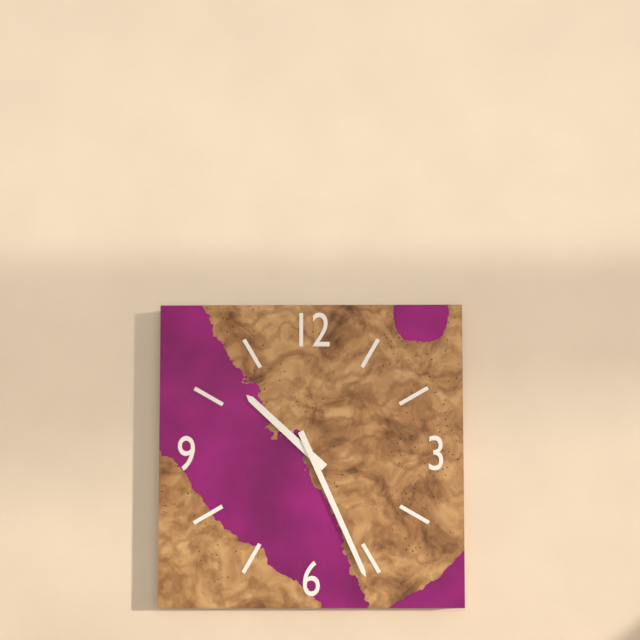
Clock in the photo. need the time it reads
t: 10:26
